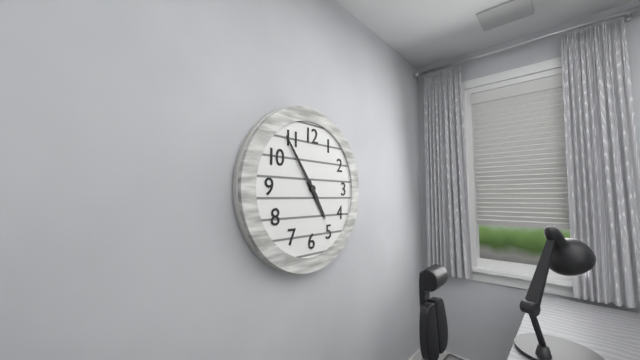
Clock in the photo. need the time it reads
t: 4:54
